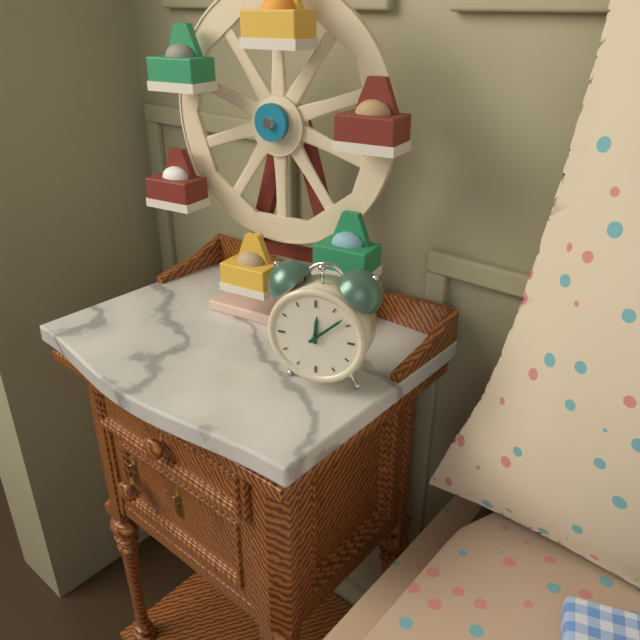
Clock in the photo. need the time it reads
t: 12:08
